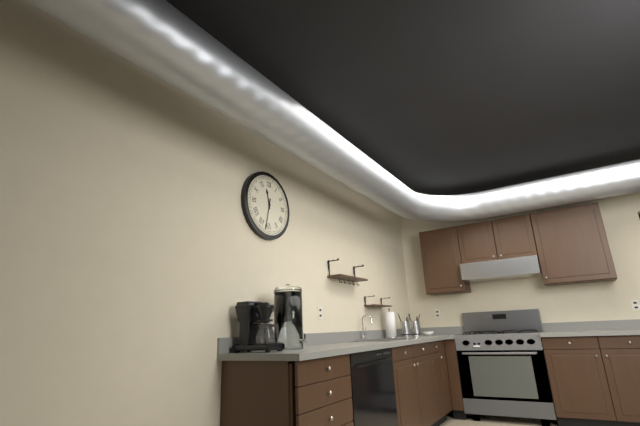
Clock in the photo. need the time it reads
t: 11:32
